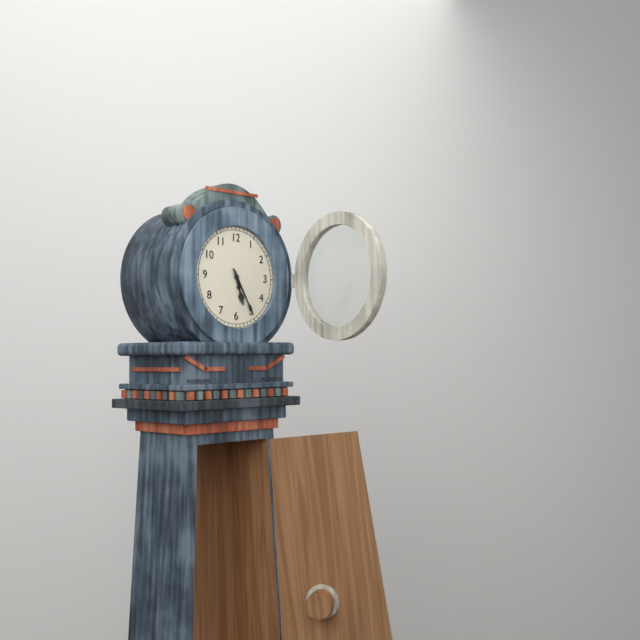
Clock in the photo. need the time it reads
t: 5:25
